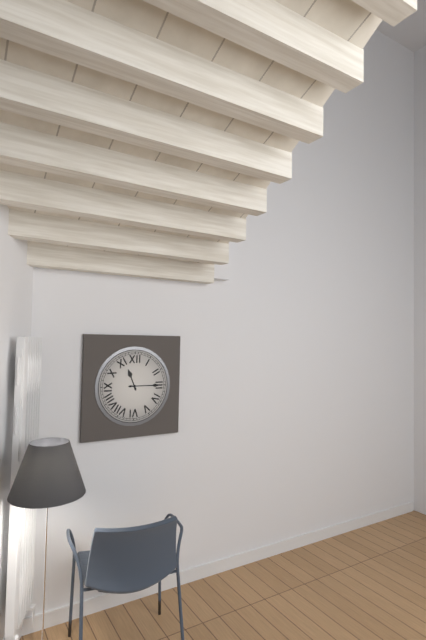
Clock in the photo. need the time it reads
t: 11:15
